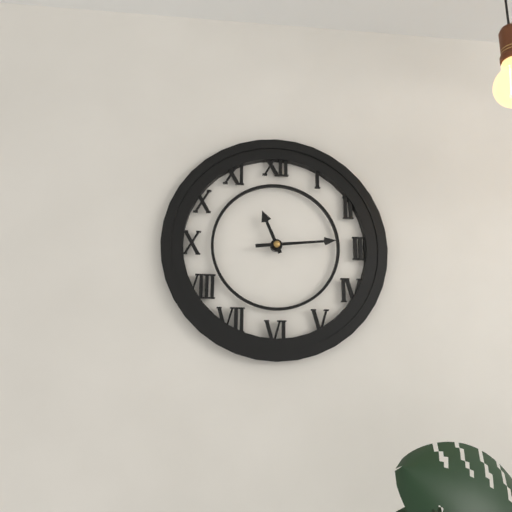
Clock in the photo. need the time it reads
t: 11:14
